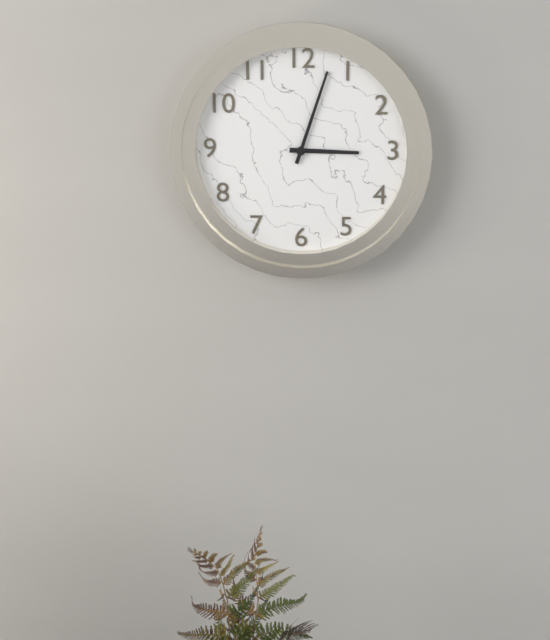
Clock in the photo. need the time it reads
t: 3:03
